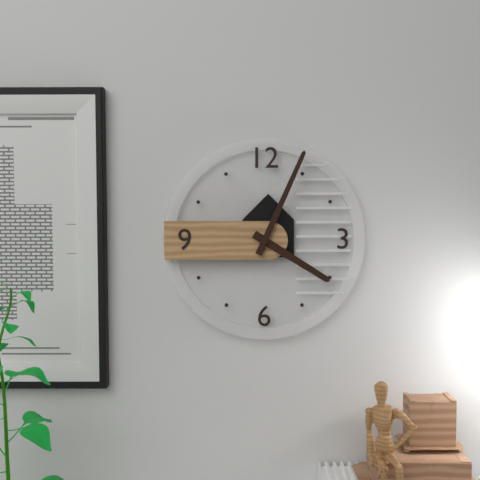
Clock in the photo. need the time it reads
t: 4:04
